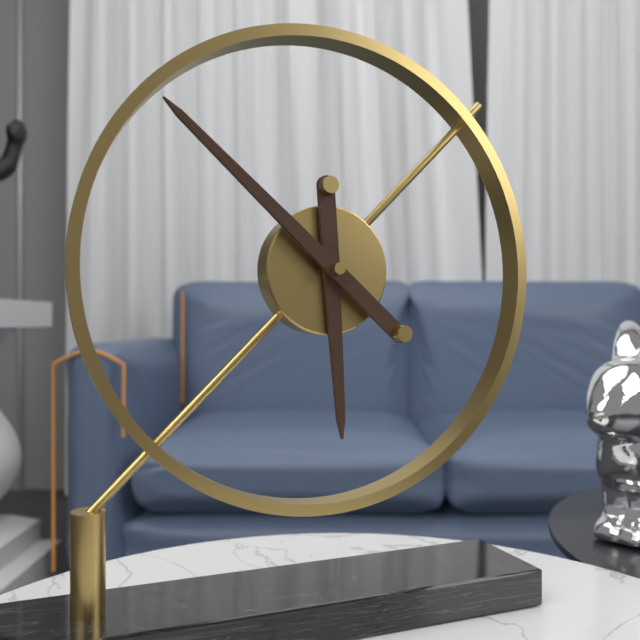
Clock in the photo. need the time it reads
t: 5:52
